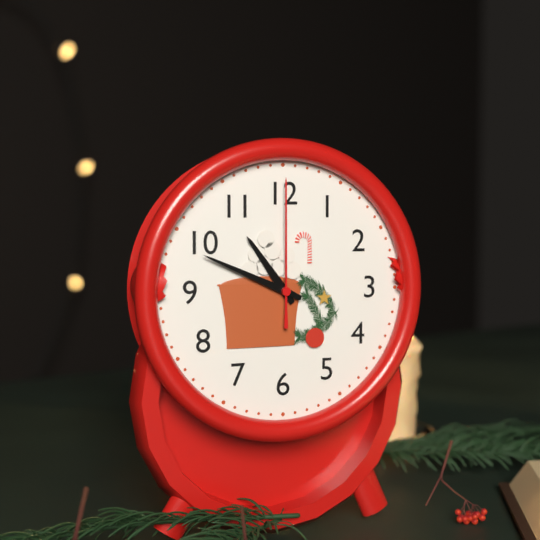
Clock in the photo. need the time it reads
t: 10:49:00
